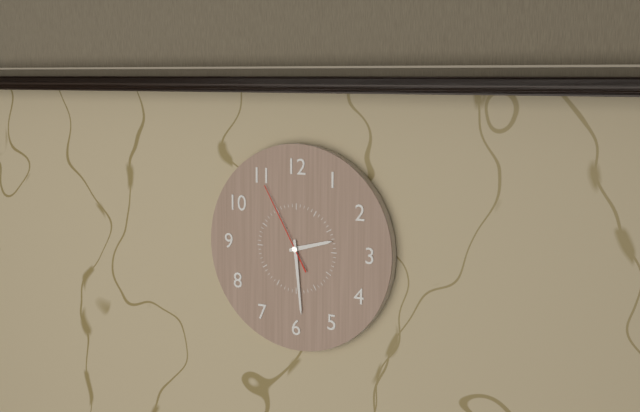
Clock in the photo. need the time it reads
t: 2:29:55
